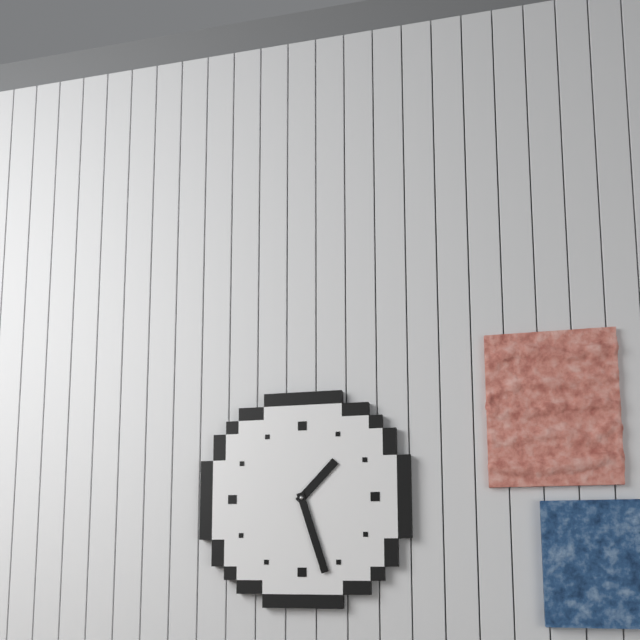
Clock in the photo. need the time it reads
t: 1:27
